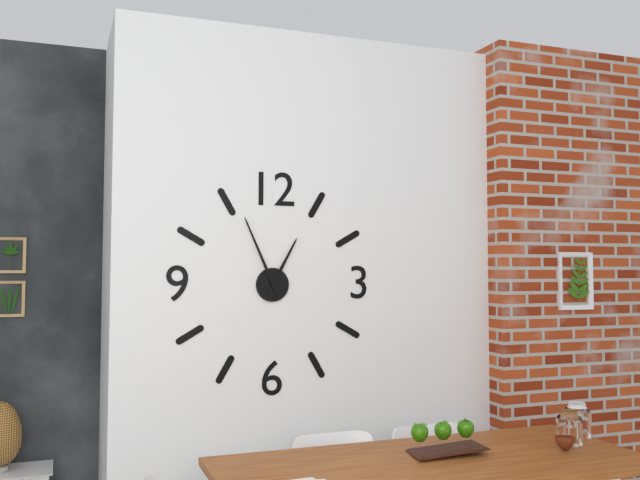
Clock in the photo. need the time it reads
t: 12:56
